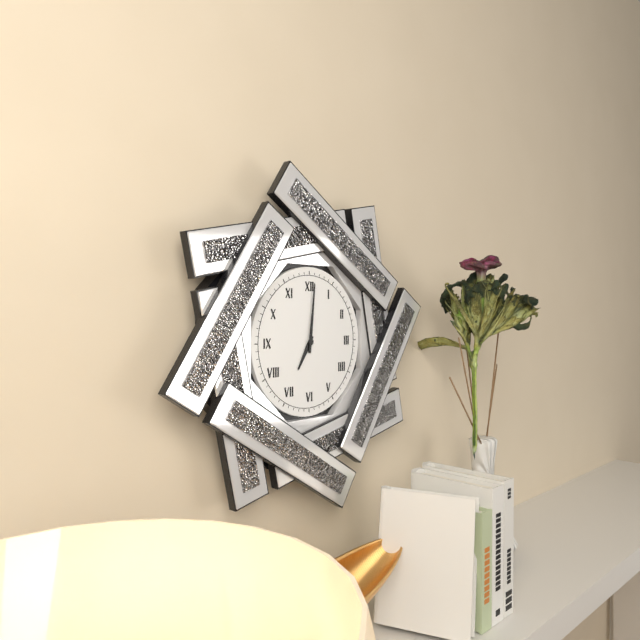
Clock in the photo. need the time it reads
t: 7:01
